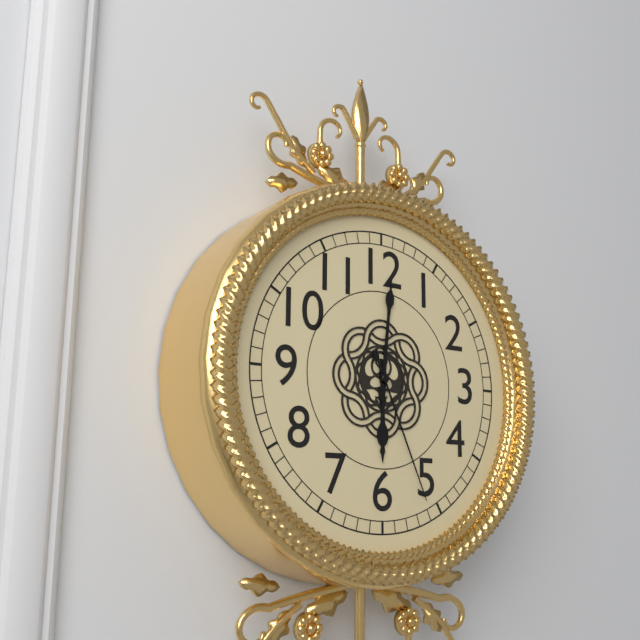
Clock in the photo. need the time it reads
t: 6:01:26
